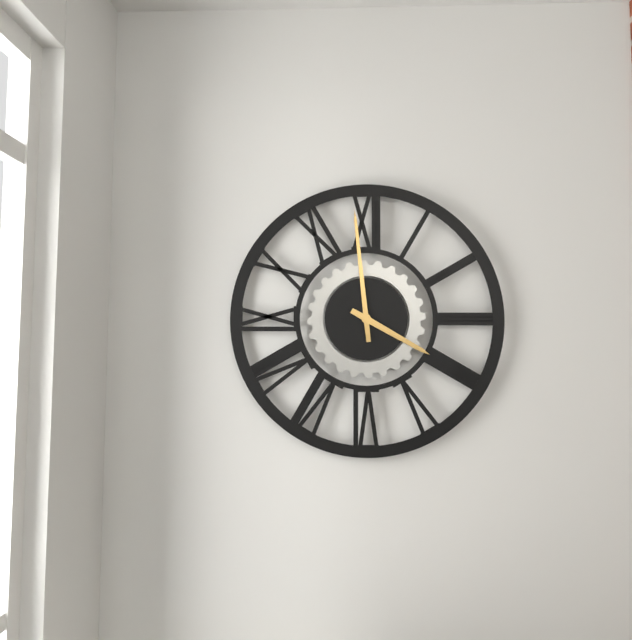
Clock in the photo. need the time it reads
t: 3:59
